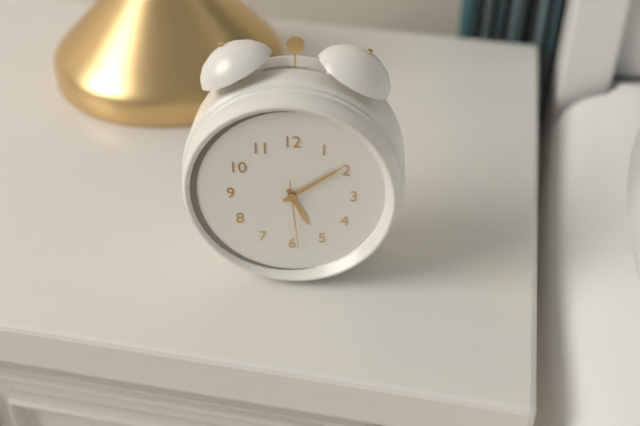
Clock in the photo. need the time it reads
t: 5:09:29
